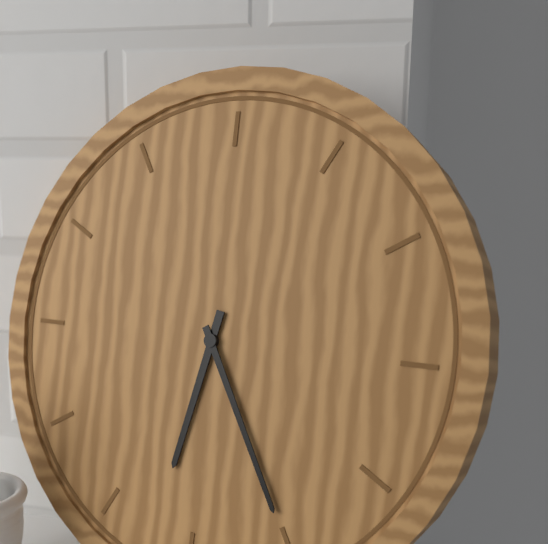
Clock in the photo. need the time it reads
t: 6:25
